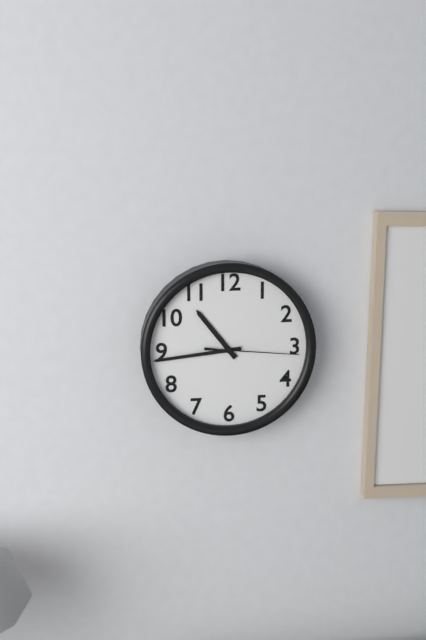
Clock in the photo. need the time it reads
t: 10:44:16
